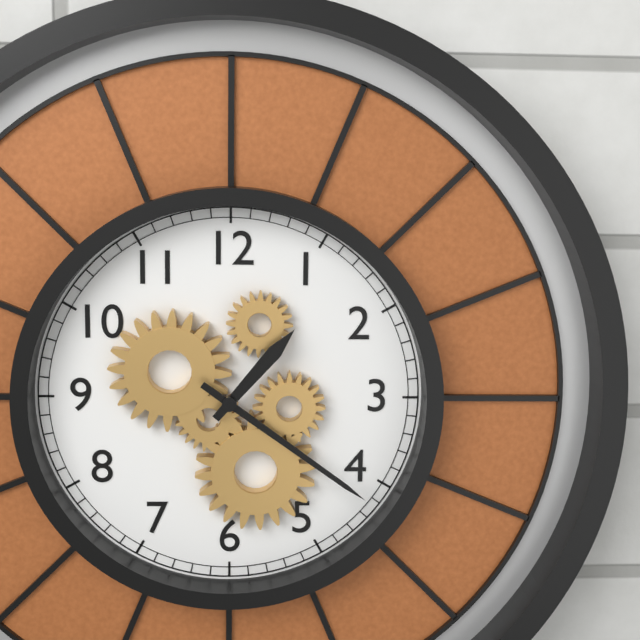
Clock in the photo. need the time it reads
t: 1:21
